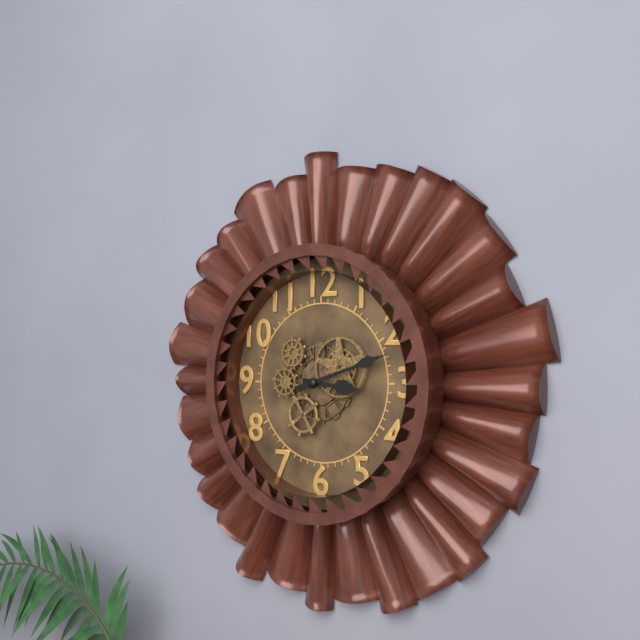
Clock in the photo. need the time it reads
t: 3:12
